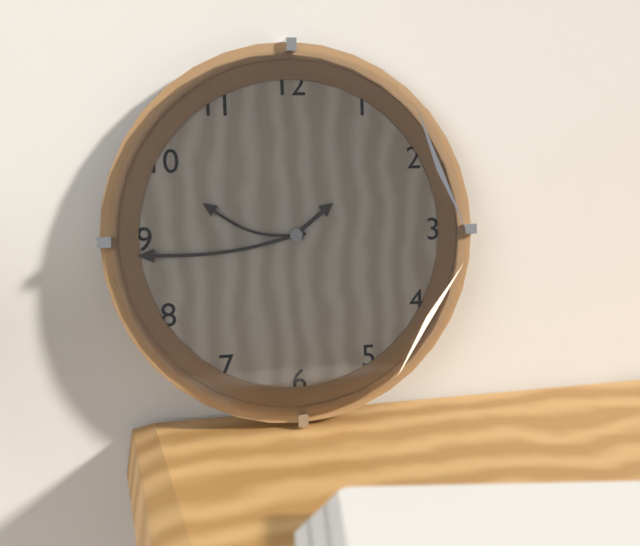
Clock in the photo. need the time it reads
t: 1:44:48
